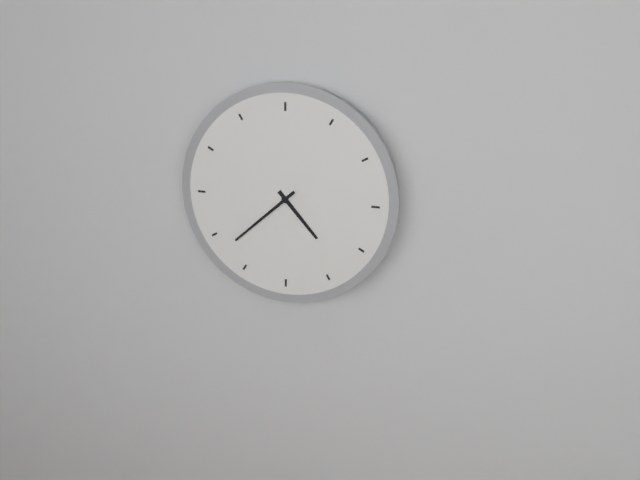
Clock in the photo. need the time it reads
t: 4:38
